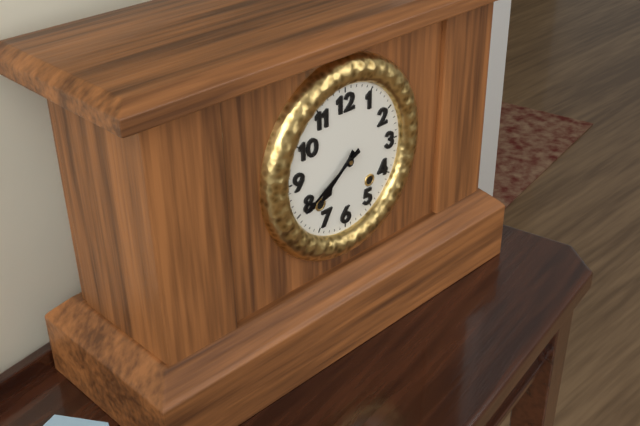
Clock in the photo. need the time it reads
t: 7:40
